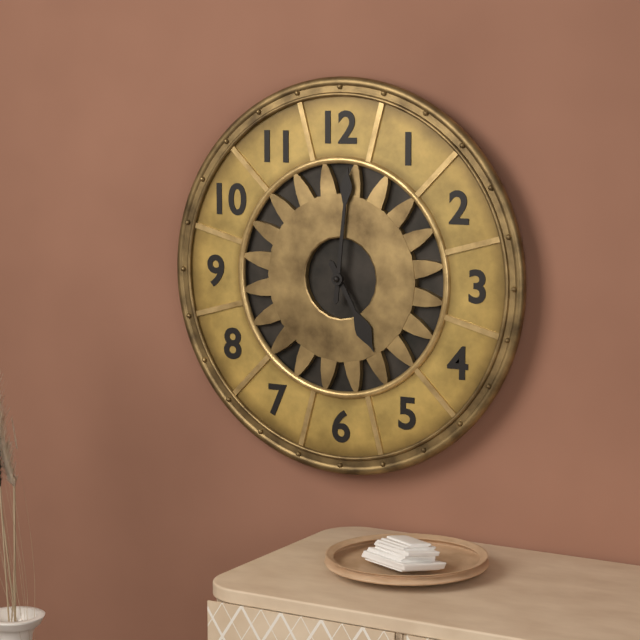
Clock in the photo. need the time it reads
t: 5:01
